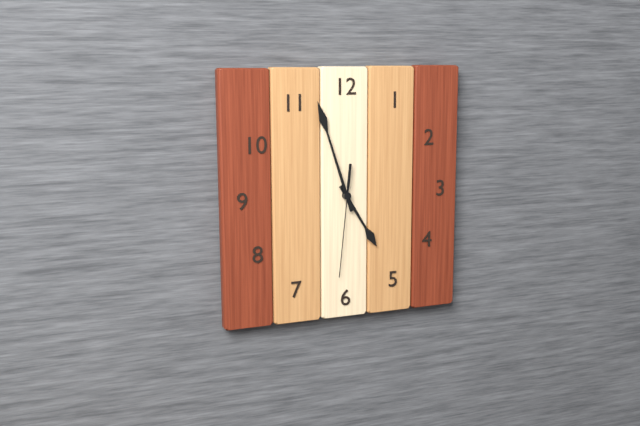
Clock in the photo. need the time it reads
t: 4:57:31
